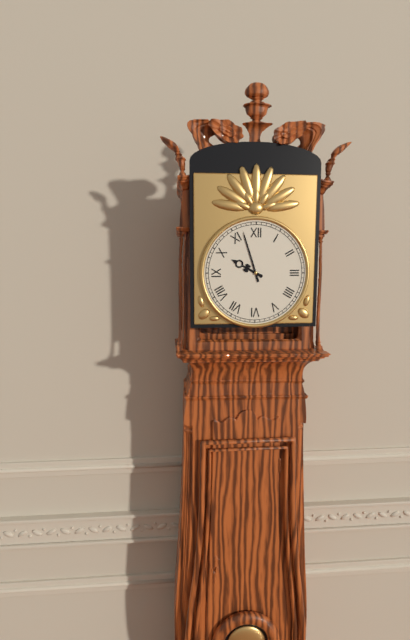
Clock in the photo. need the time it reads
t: 9:57
